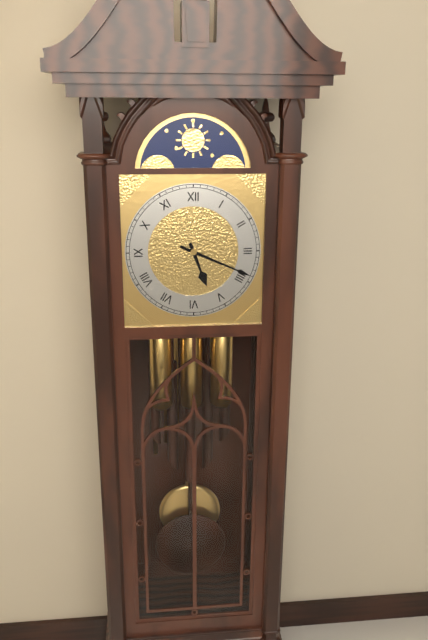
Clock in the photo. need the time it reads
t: 5:19
